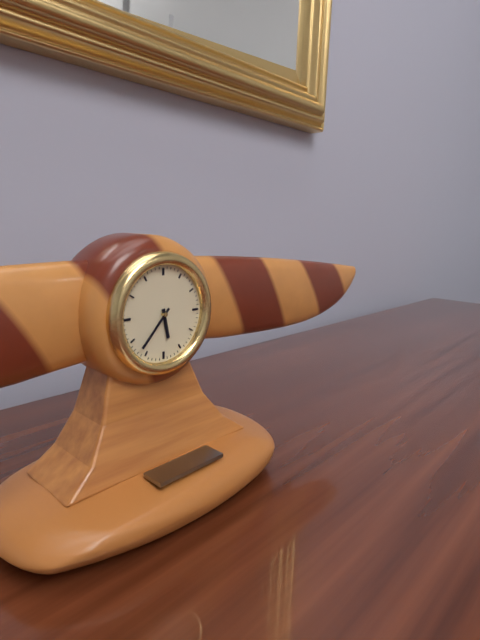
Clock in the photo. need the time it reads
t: 5:37
